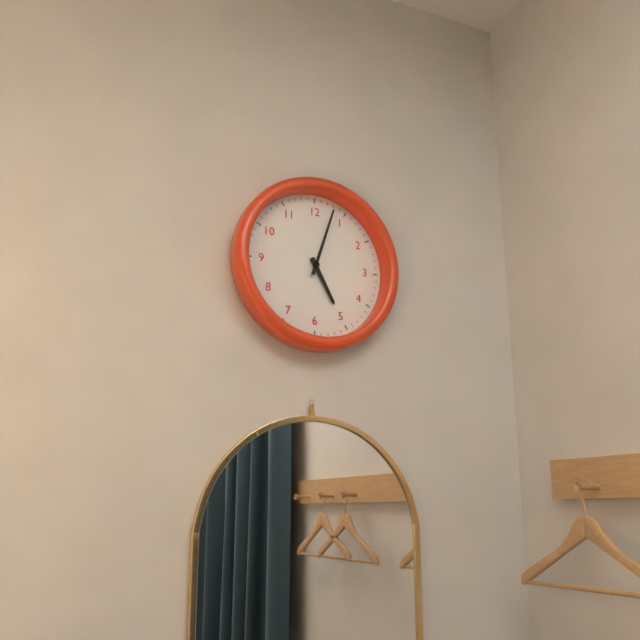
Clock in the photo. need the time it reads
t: 5:03
